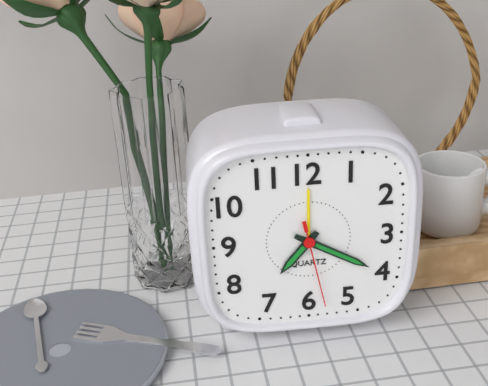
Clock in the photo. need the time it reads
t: 7:20:28
